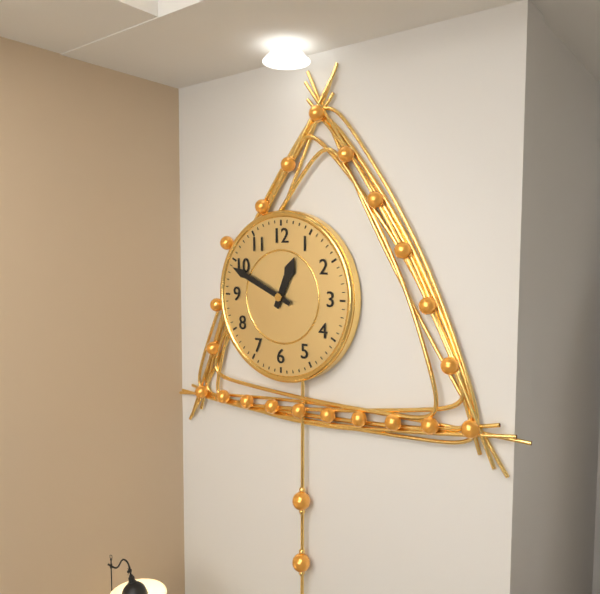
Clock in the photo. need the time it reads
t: 12:49
